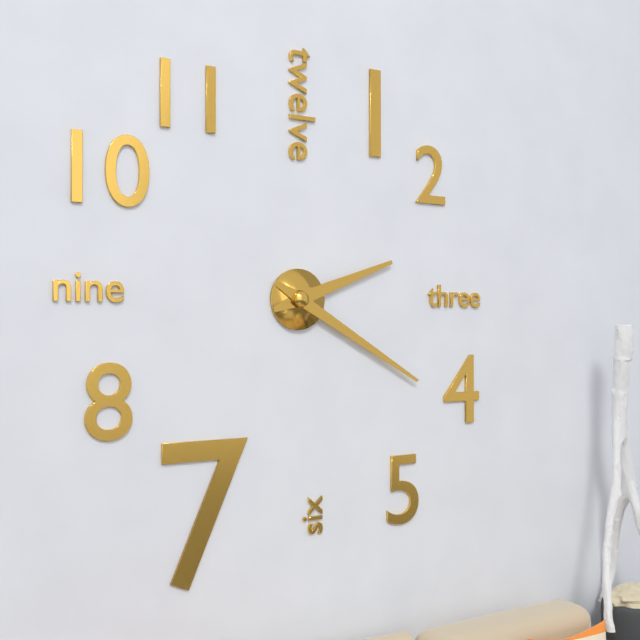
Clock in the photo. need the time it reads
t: 2:20
